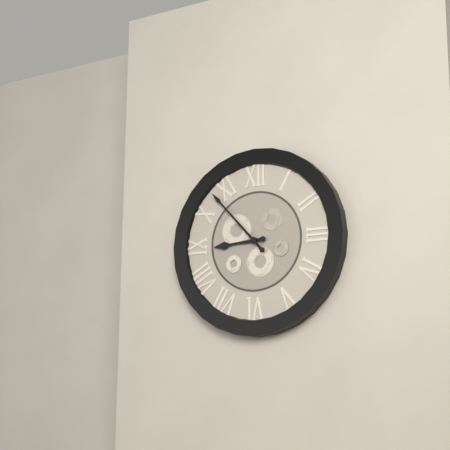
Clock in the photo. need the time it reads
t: 8:53
